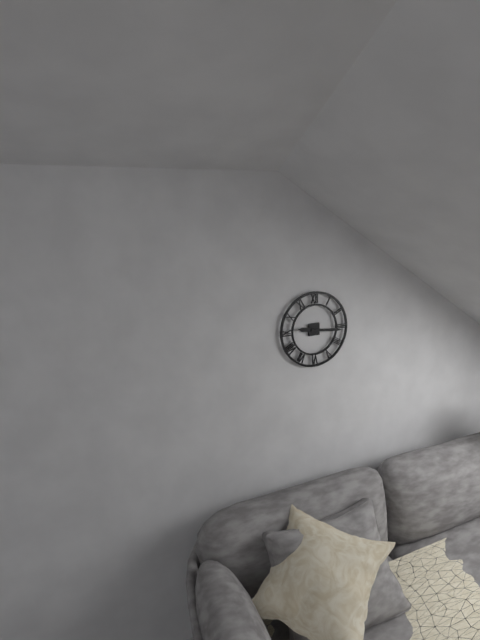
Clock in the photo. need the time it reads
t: 9:16
